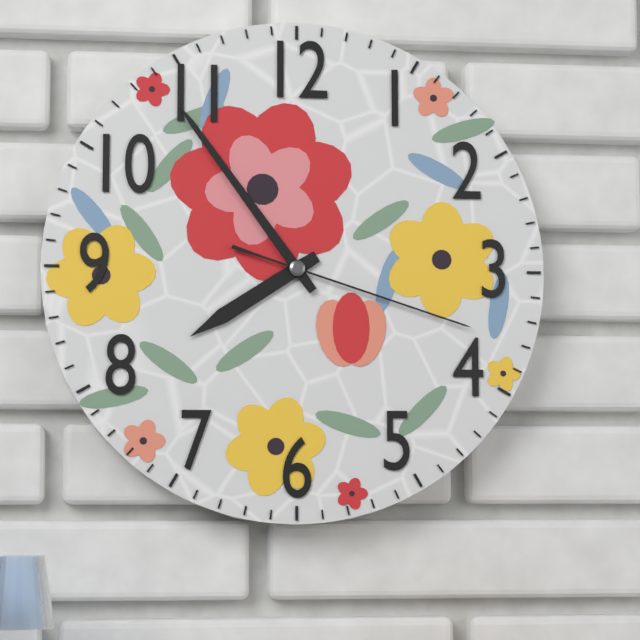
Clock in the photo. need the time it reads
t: 7:54:18
